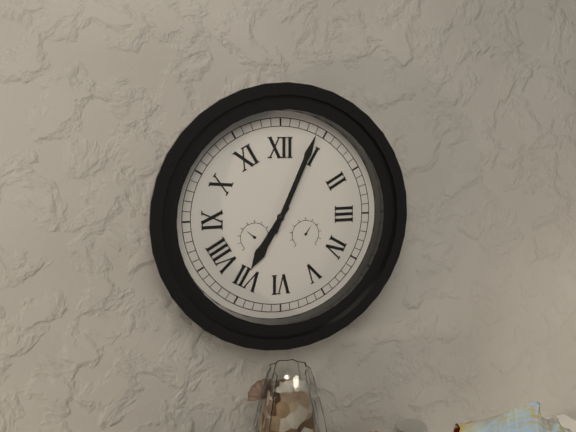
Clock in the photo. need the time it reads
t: 7:04
